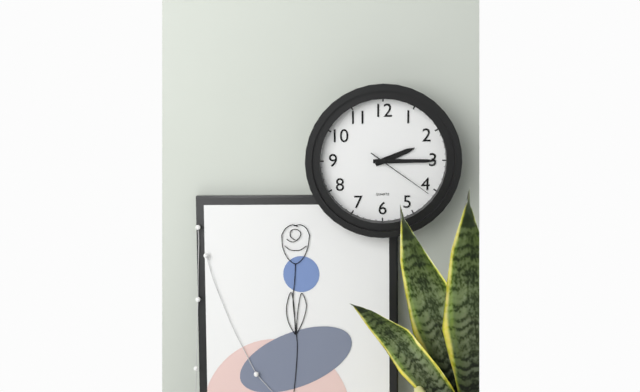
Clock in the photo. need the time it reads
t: 2:15:21
